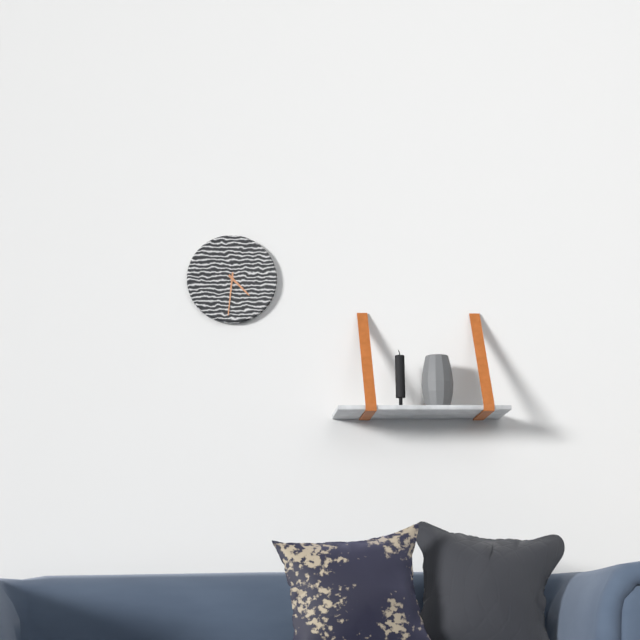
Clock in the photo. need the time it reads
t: 4:31
